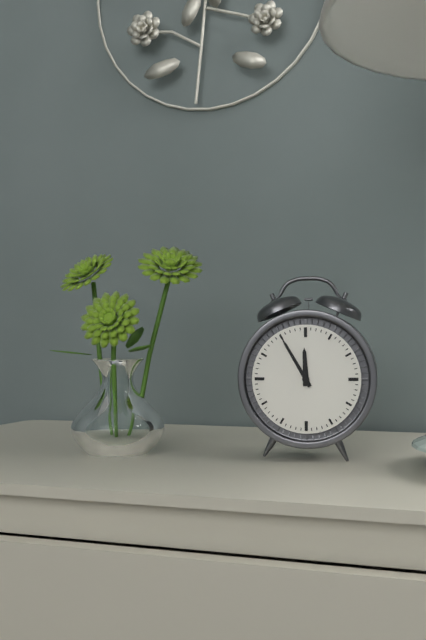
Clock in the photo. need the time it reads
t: 11:55
